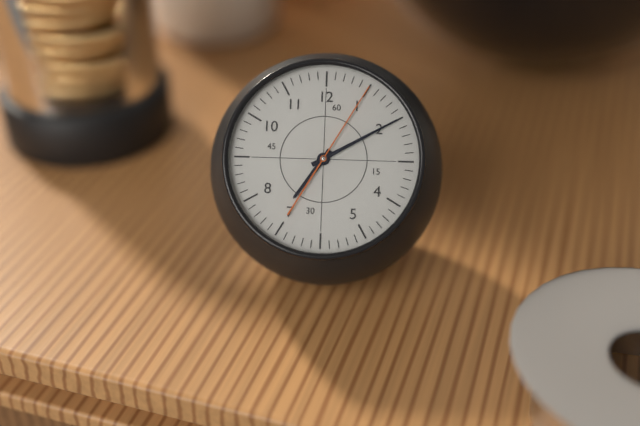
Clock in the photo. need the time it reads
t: 7:10:05
